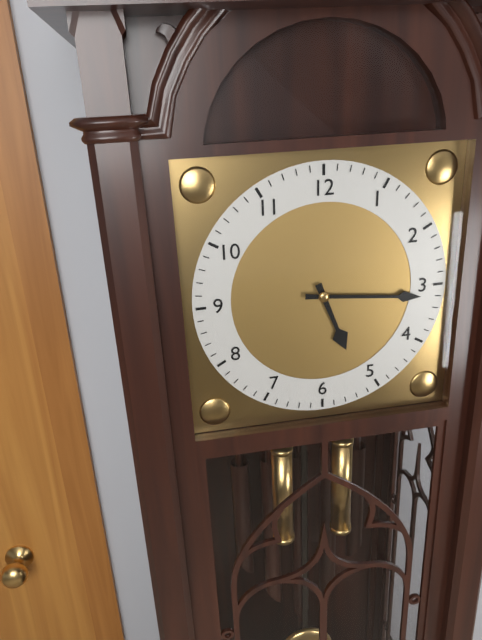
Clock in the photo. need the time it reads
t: 5:16
